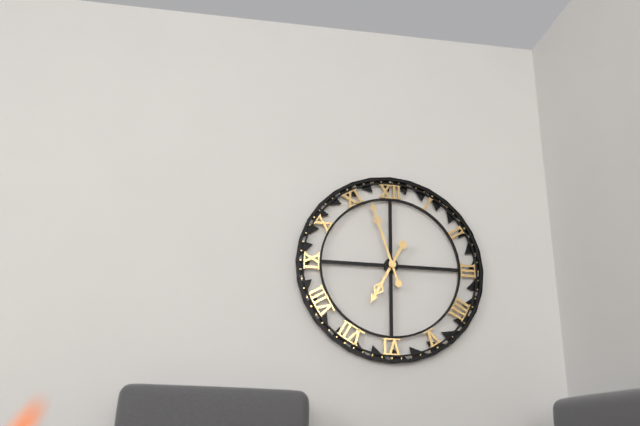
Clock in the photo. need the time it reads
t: 6:57
